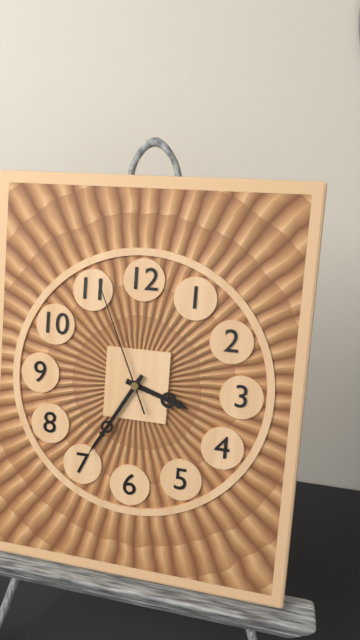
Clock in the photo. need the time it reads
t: 3:35:56
